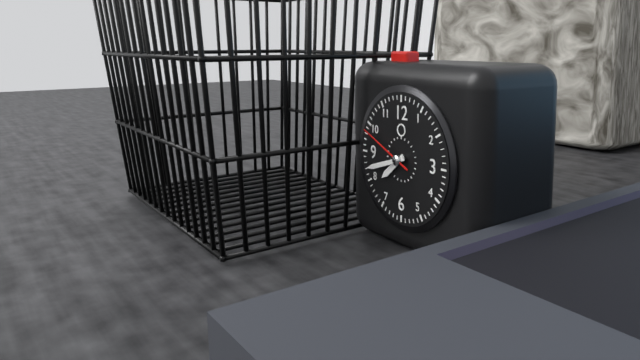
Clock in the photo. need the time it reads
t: 7:42:49
